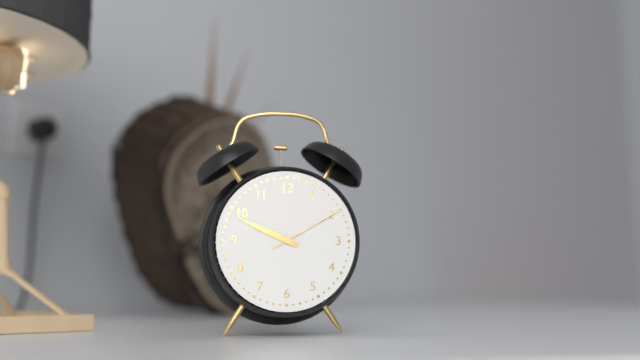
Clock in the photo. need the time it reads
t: 9:49:10
